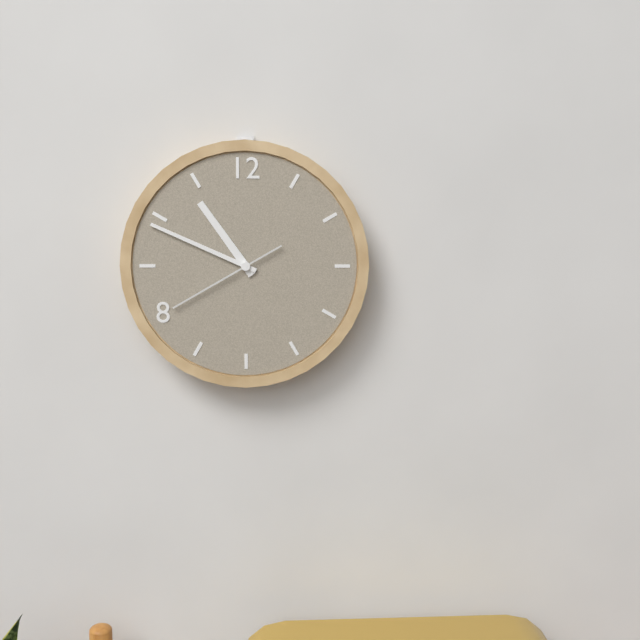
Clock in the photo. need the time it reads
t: 10:49:40
